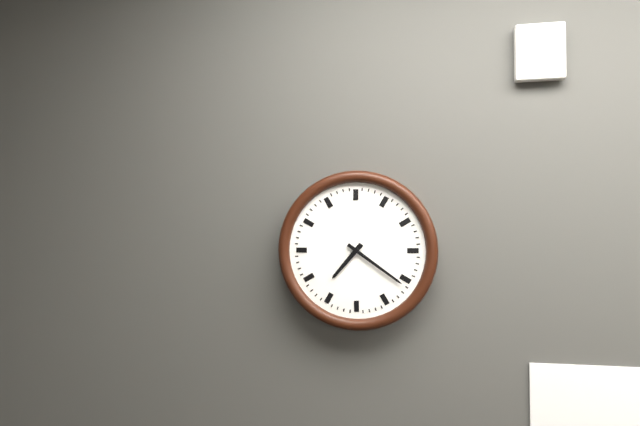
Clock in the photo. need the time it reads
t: 7:21
